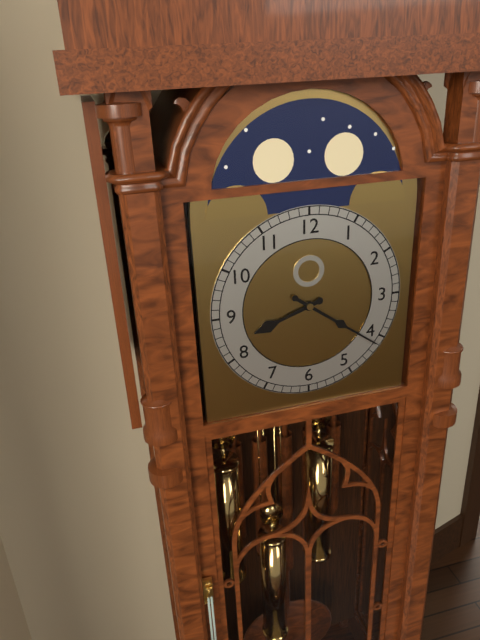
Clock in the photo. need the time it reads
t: 8:21
